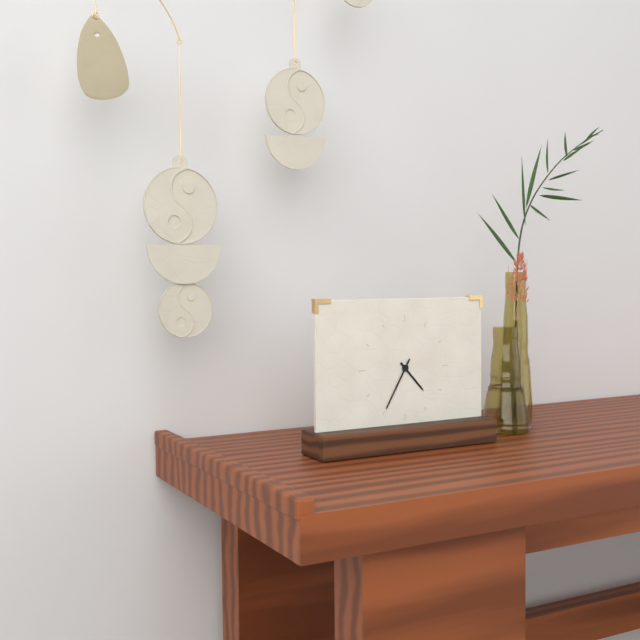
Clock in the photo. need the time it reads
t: 4:35
